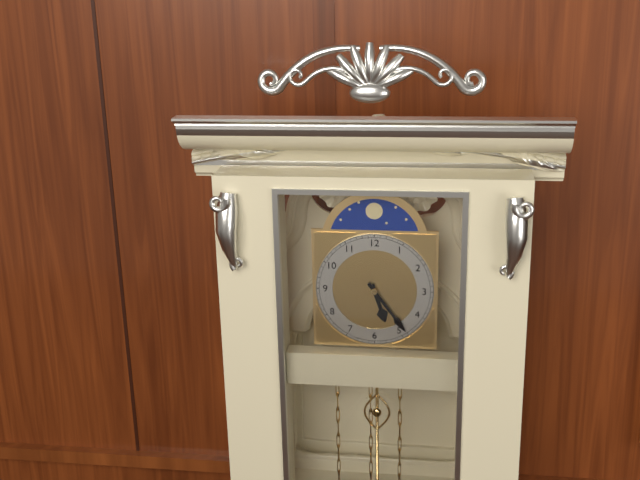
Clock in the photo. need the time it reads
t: 5:24
